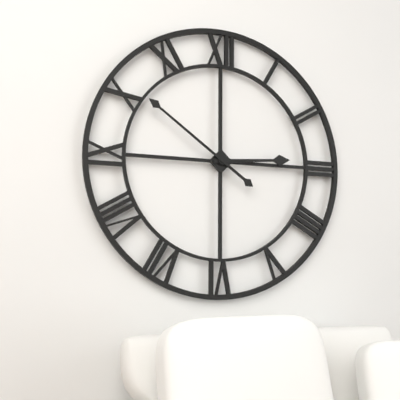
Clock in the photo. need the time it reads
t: 2:51
